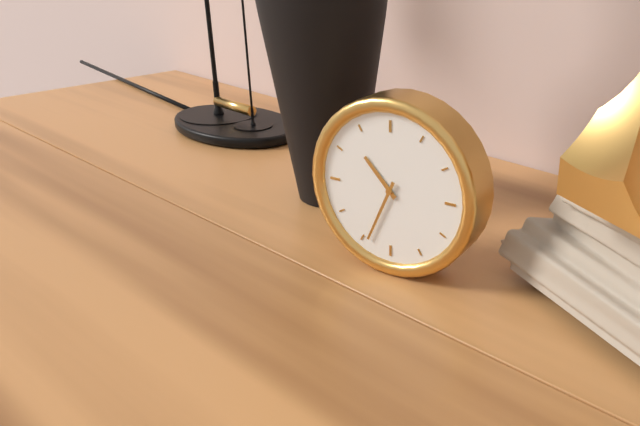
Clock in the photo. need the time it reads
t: 10:34
